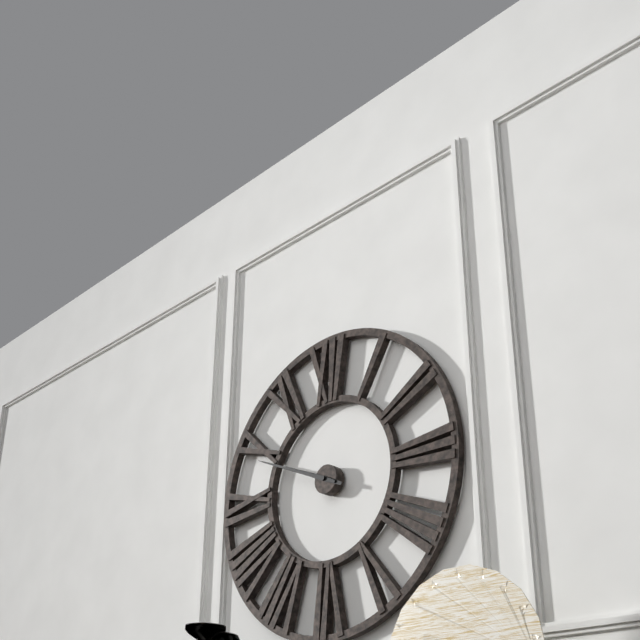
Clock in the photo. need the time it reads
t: 9:49
